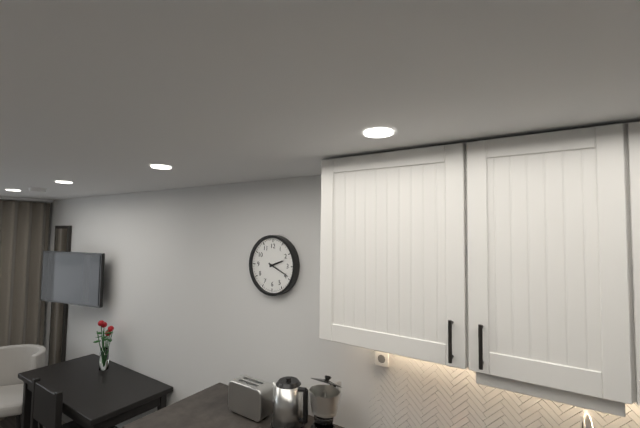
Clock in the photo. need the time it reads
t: 2:19
